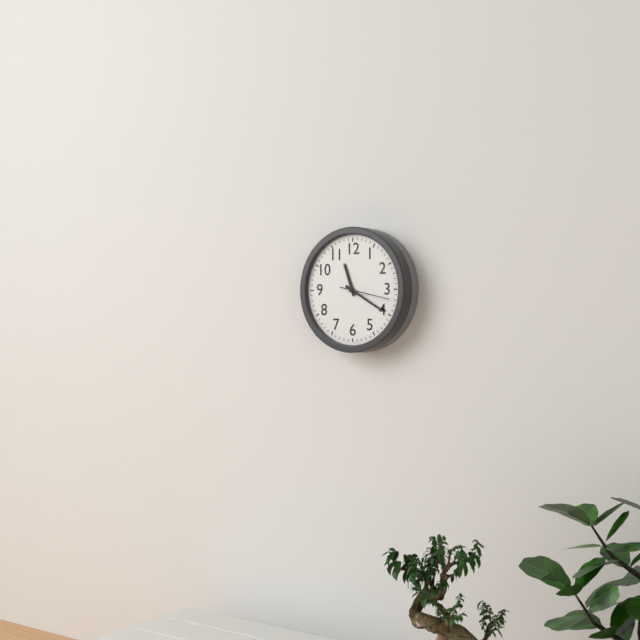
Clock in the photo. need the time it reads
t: 11:20
